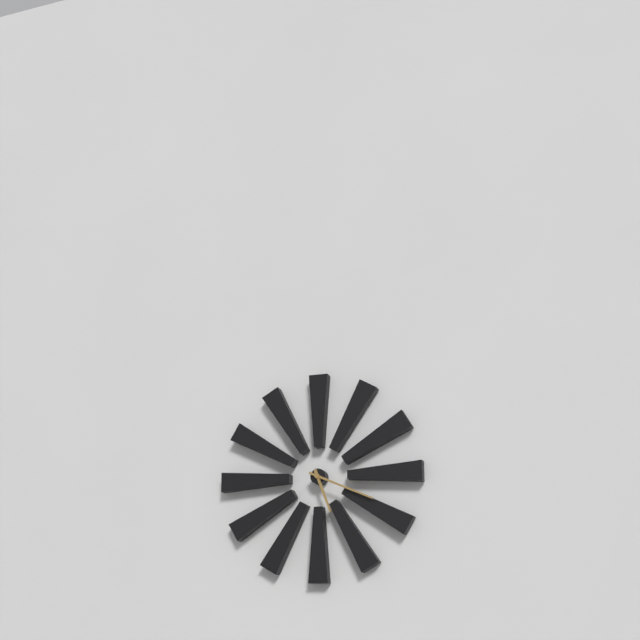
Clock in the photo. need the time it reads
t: 5:19
